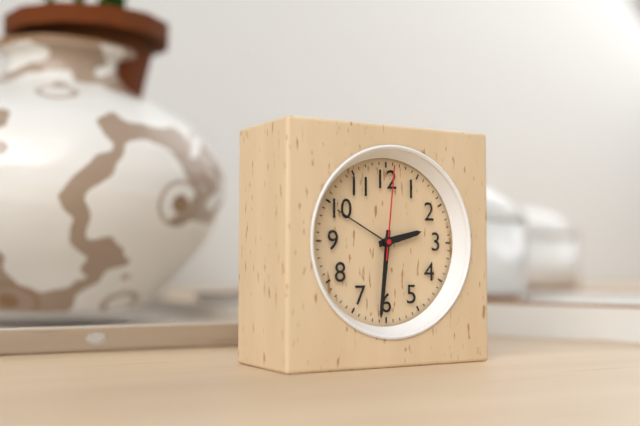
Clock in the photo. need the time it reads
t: 2:31:01
